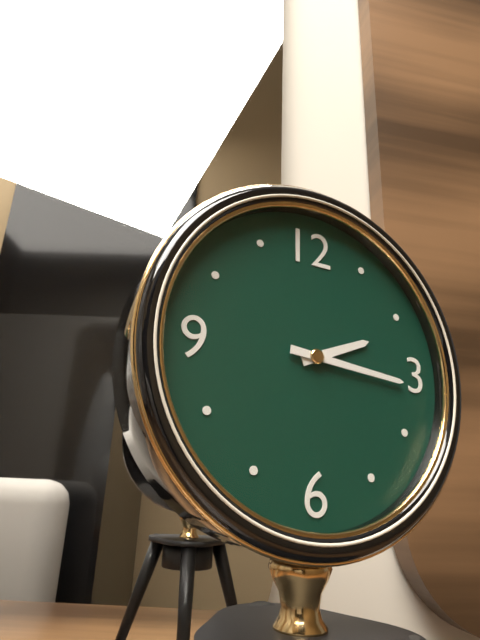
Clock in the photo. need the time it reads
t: 2:16
